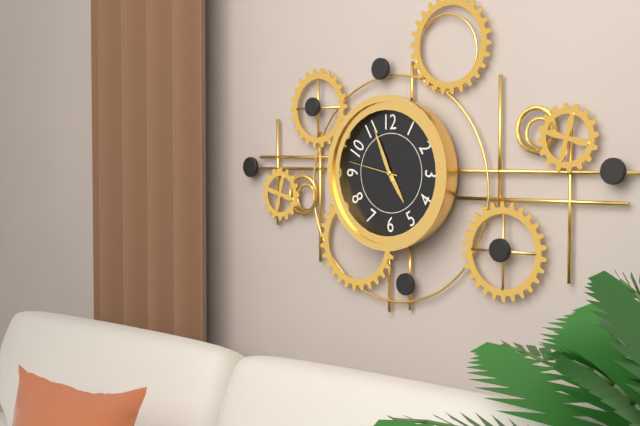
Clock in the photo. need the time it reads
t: 4:56:47
